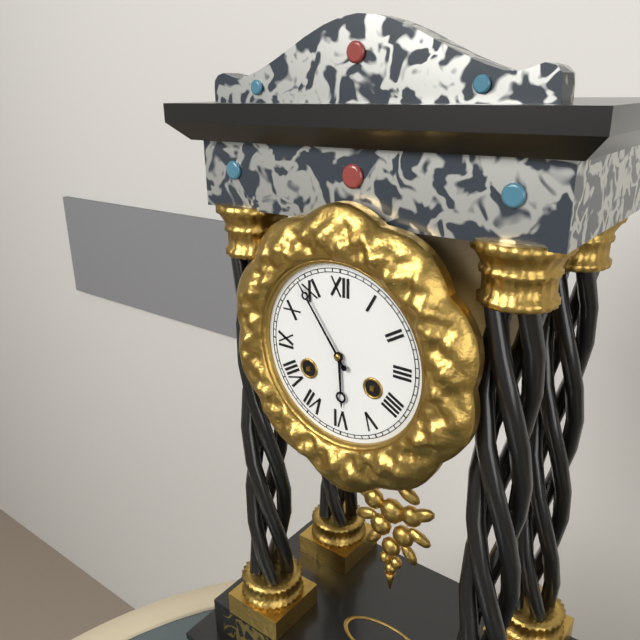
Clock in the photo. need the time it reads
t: 5:54
